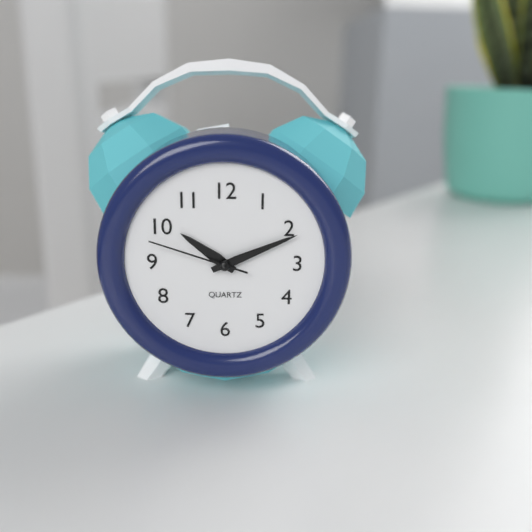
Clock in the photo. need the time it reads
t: 10:11:48
